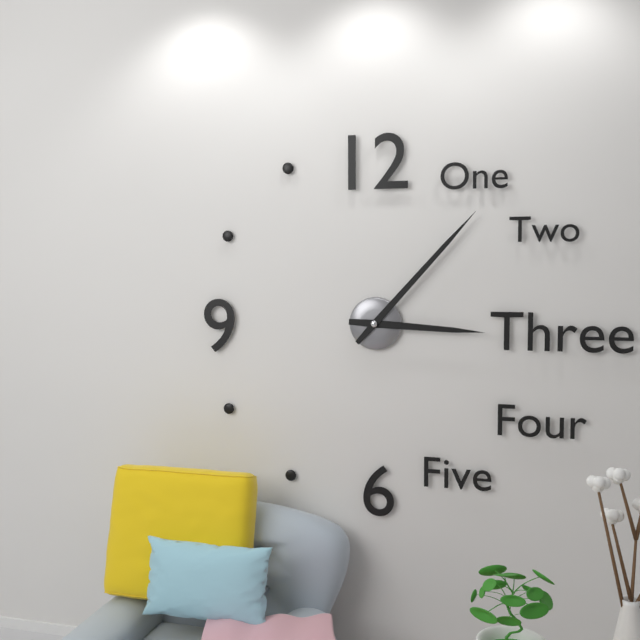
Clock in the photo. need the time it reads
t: 3:07
